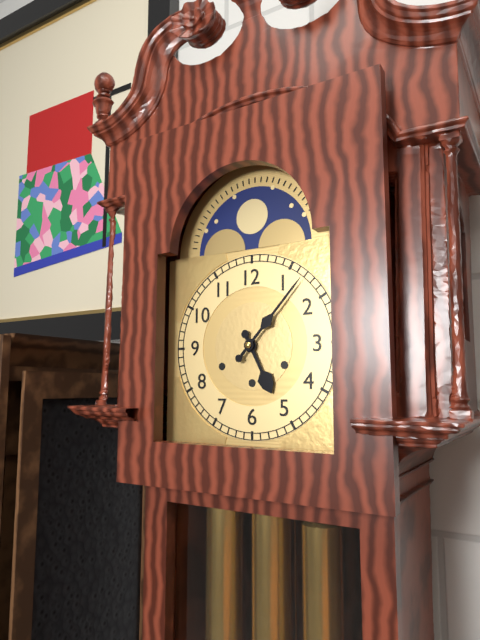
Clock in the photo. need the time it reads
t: 5:07
